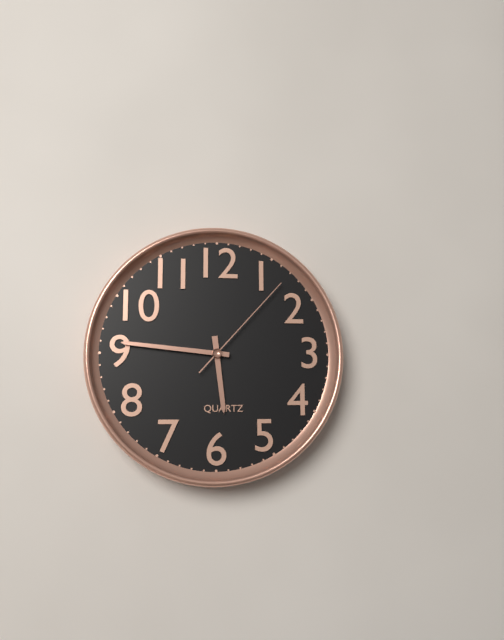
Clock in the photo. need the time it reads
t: 5:46:07
